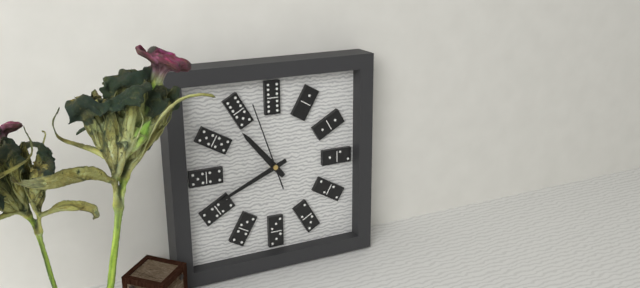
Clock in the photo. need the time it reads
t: 10:41:57
